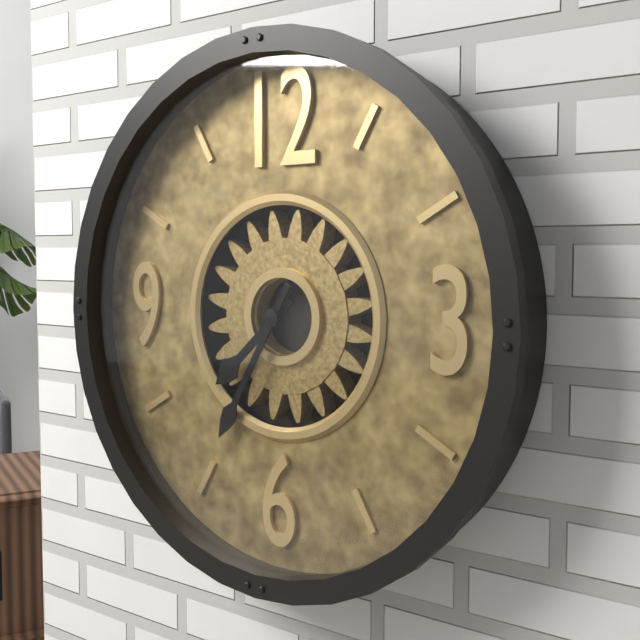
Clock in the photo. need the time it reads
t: 7:35
